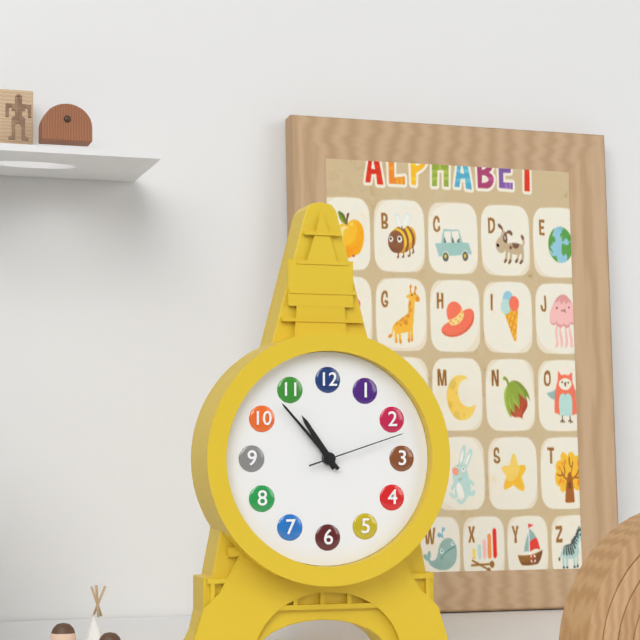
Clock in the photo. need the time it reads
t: 10:53:12
